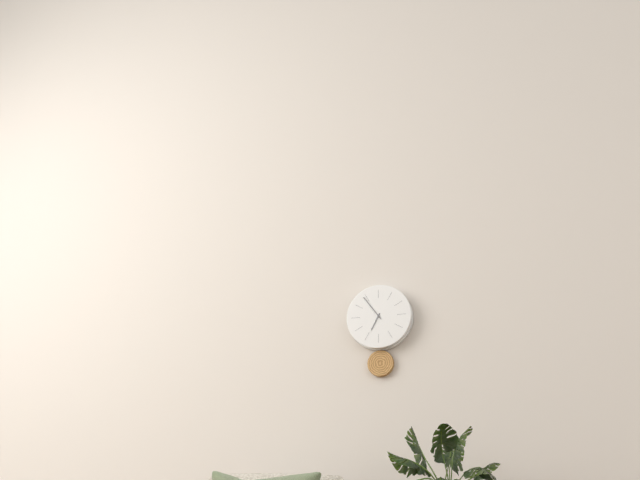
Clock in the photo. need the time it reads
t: 6:54
